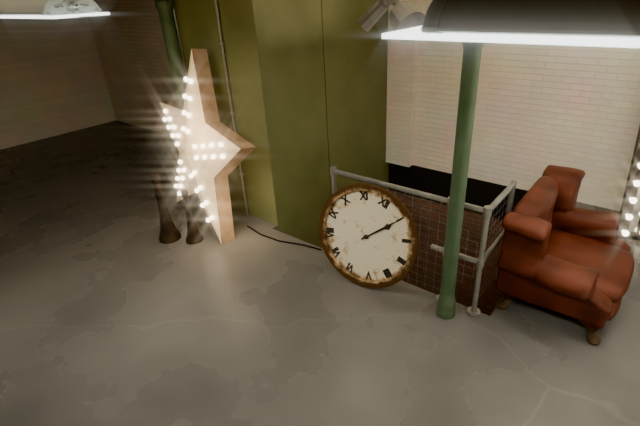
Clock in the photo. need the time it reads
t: 1:05
